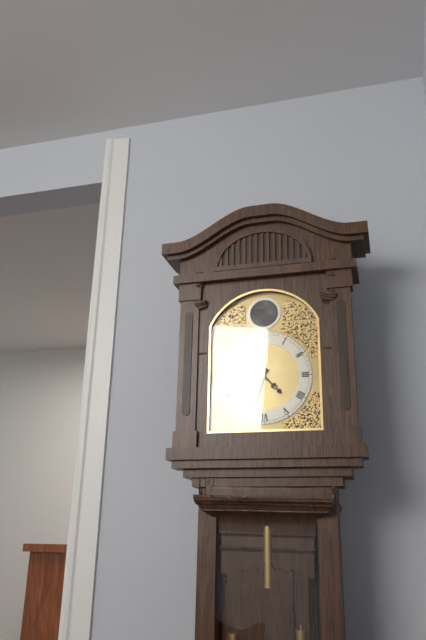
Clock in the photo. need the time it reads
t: 4:33
